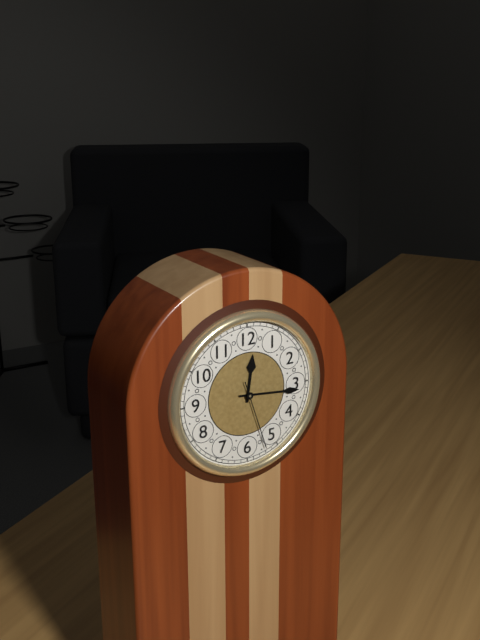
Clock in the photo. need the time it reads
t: 12:16:27
